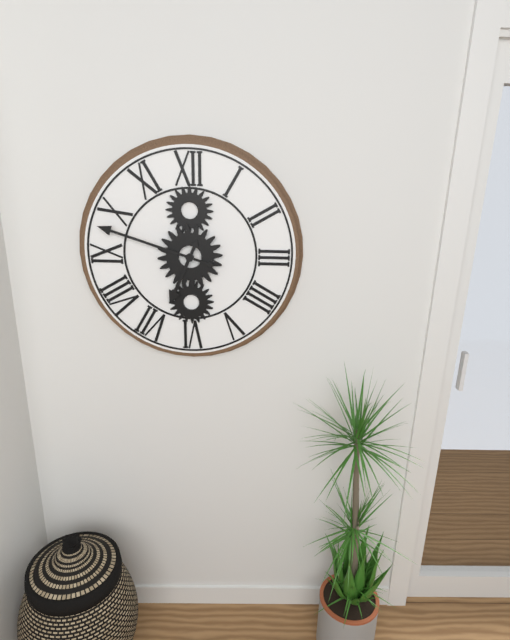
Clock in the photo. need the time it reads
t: 6:48
